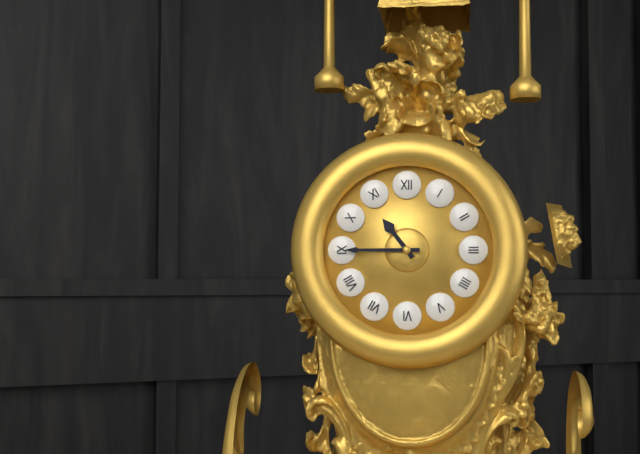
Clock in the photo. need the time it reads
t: 10:45
